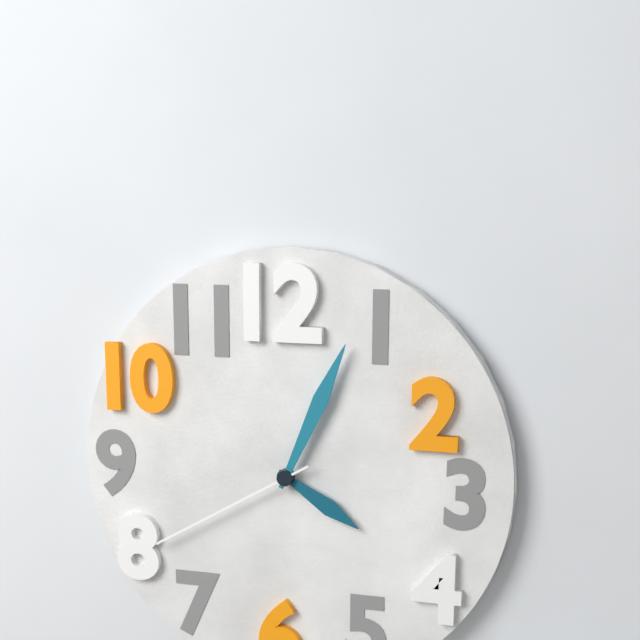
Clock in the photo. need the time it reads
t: 4:04:40
